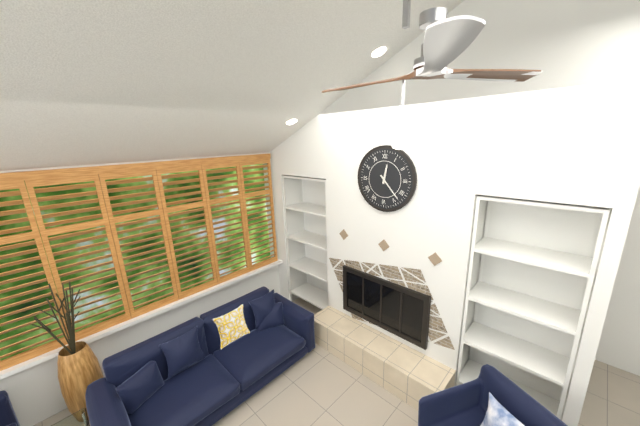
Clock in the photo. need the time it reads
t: 12:23
